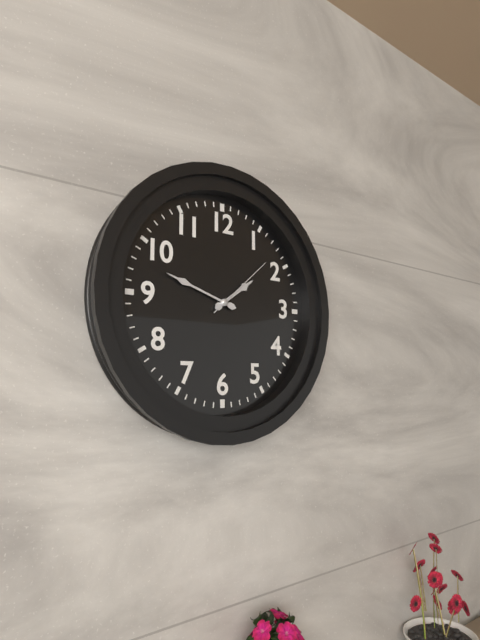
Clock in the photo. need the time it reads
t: 1:48:08
